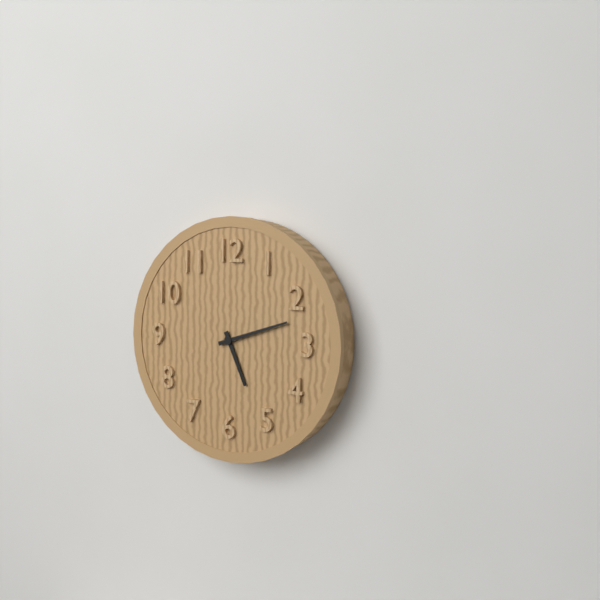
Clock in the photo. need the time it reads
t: 5:12
